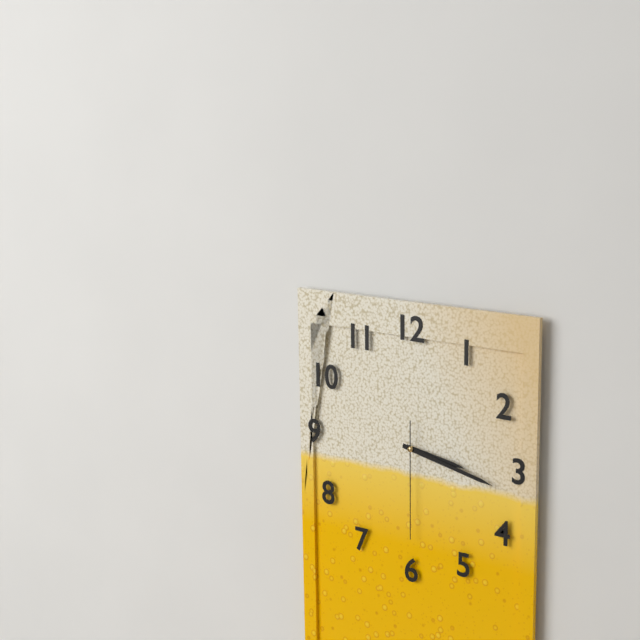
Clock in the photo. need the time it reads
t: 3:17:30
